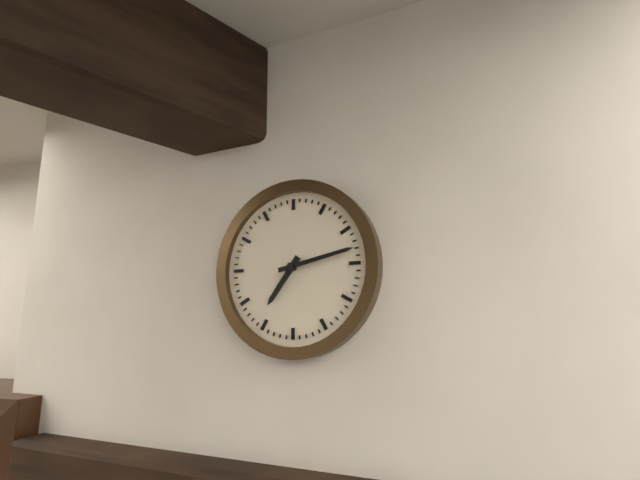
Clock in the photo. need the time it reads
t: 7:13
